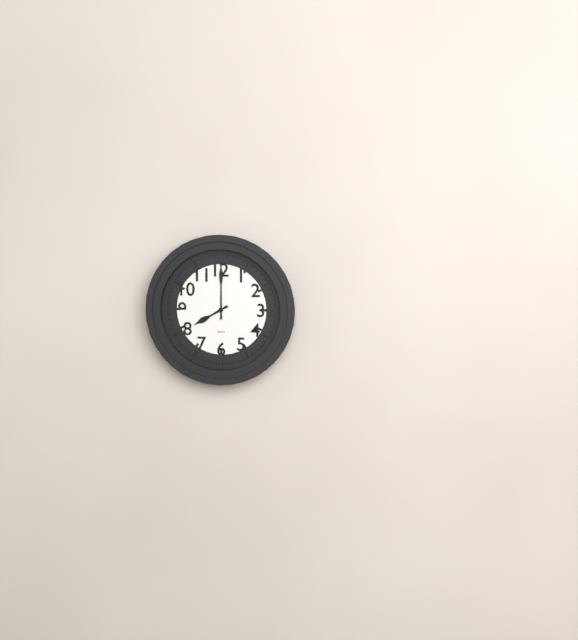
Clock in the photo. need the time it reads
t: 8:00
